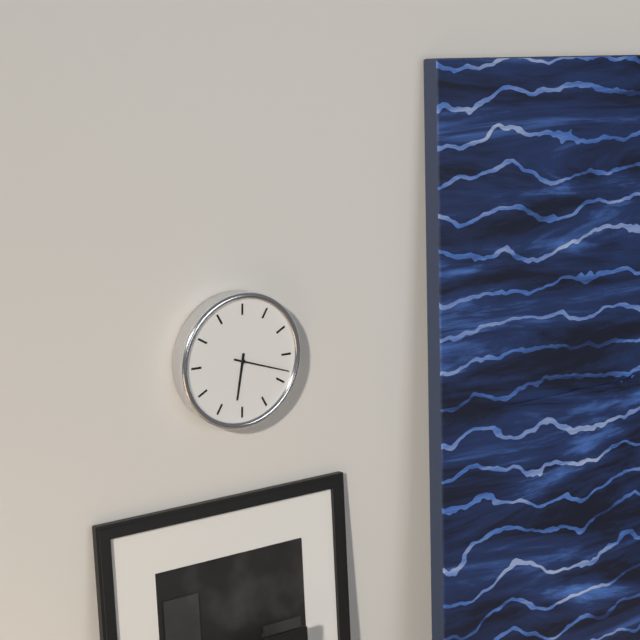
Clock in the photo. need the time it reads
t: 6:18
